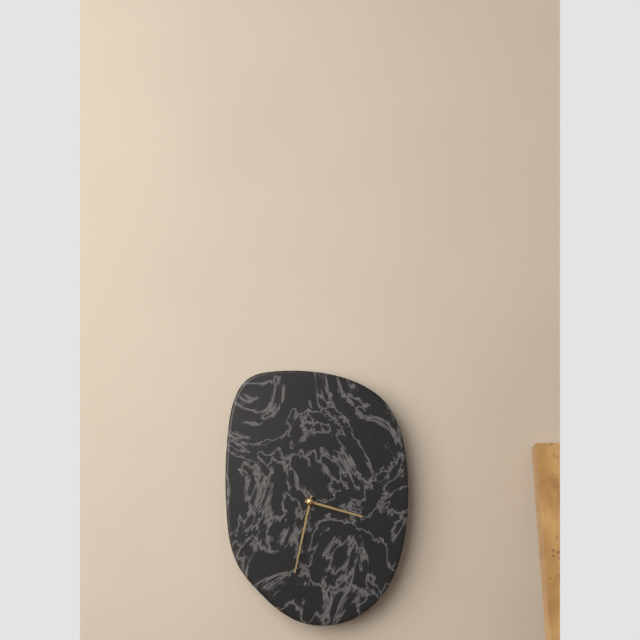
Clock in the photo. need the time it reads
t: 3:32
